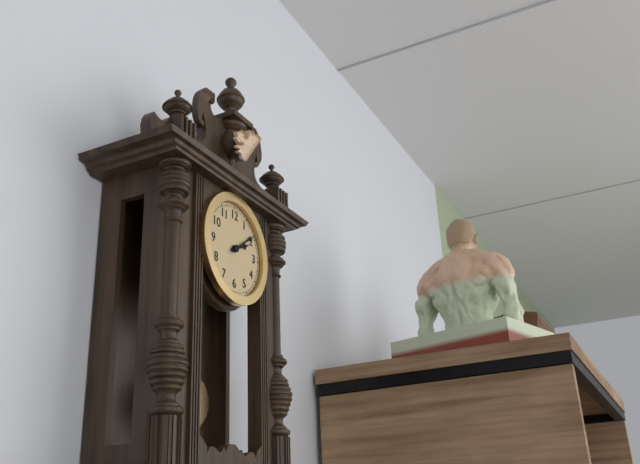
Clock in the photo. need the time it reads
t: 2:09
